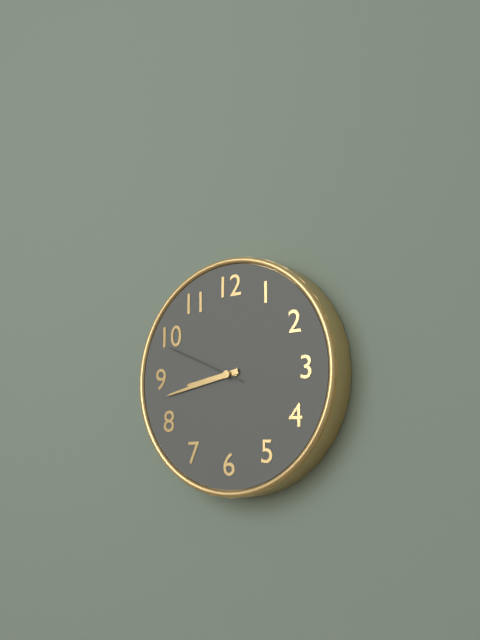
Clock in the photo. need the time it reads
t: 8:43:49
